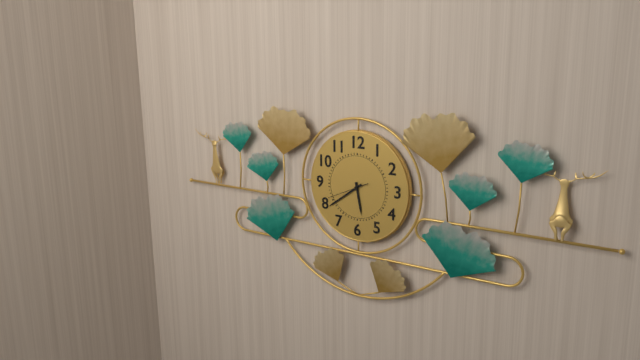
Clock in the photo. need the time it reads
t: 5:39
